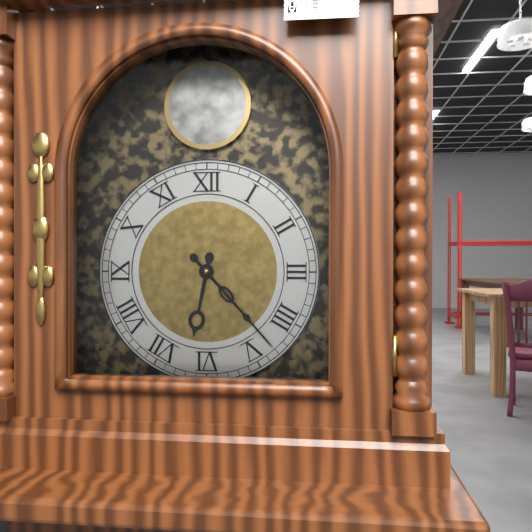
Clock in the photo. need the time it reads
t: 6:23
